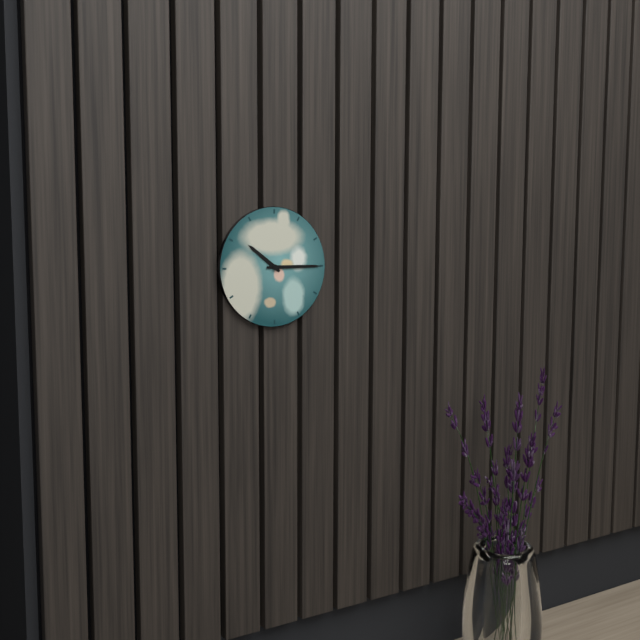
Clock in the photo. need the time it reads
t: 10:15
